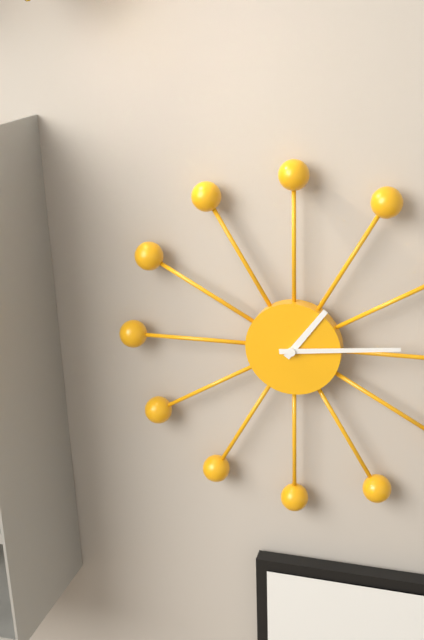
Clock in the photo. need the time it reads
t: 1:14
